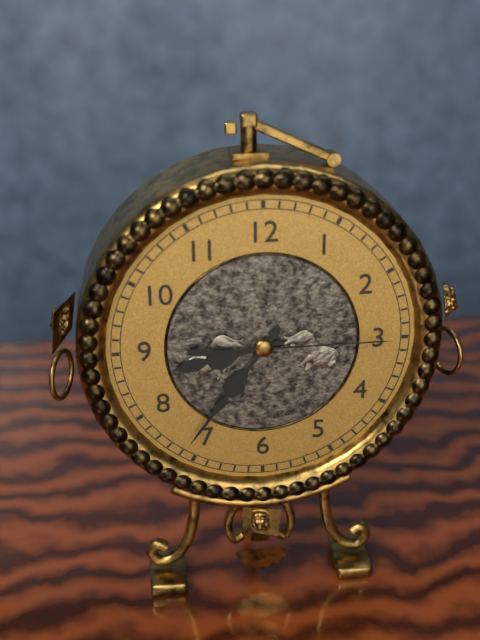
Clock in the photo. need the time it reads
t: 8:36:15
